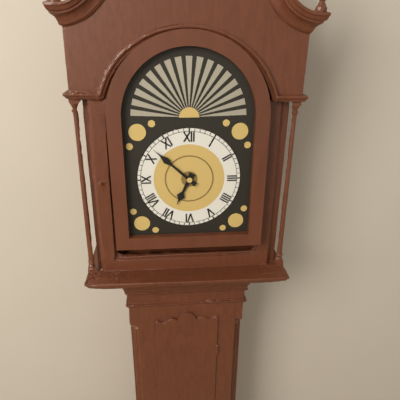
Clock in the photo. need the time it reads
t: 6:52
